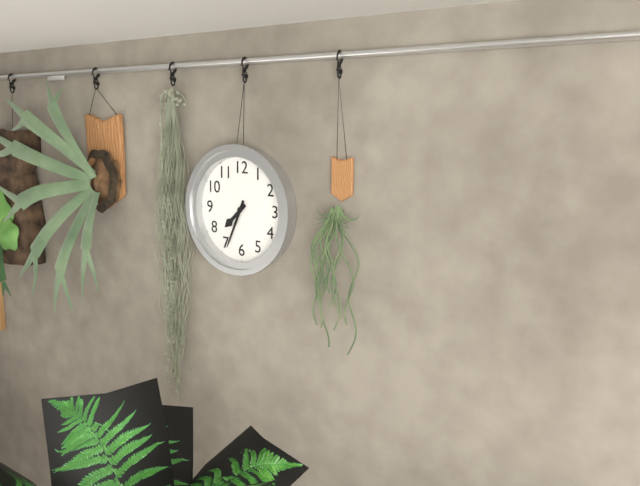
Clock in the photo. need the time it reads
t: 7:34
